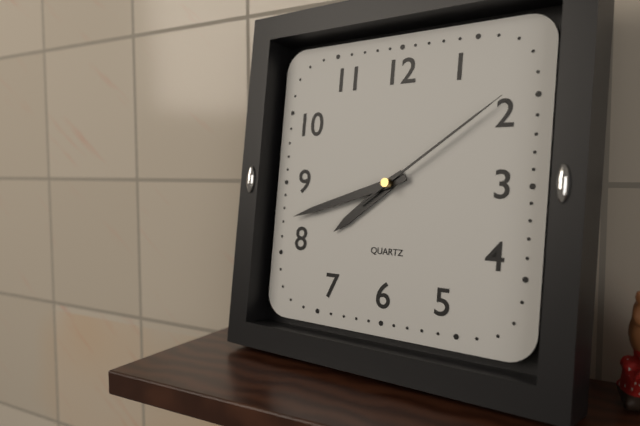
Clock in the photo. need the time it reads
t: 7:42:09
